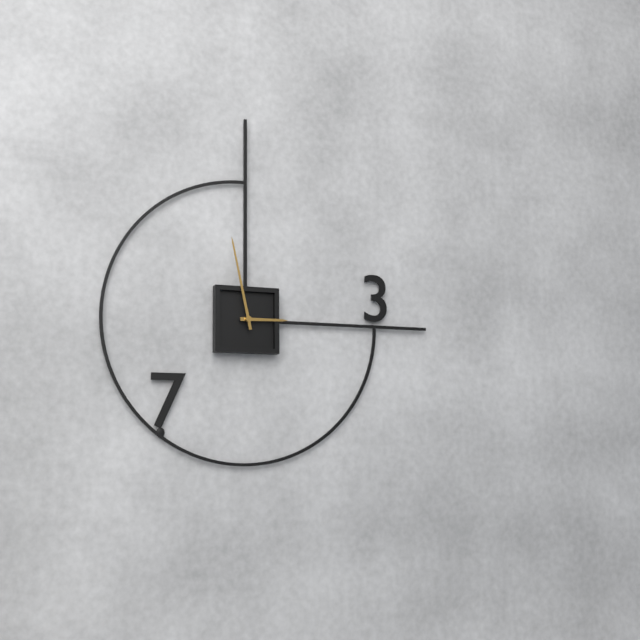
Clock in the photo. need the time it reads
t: 2:58
